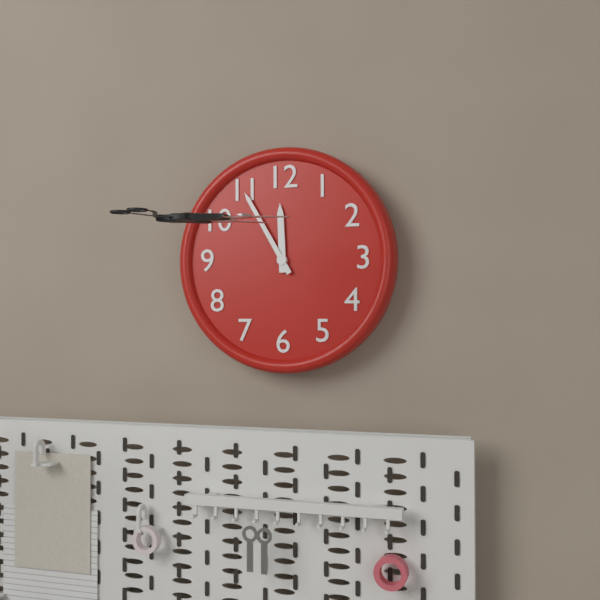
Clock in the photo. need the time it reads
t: 11:55
